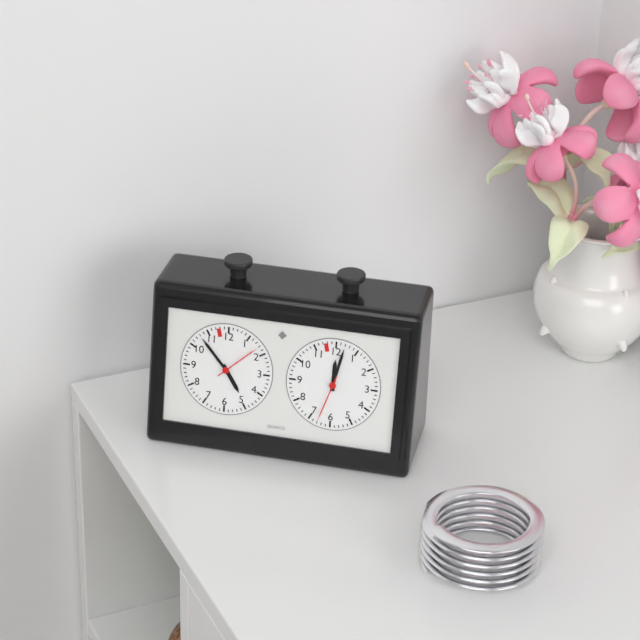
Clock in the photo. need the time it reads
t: 4:53
